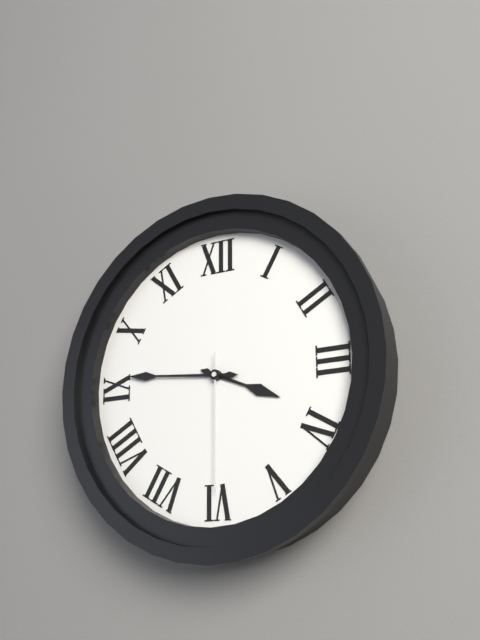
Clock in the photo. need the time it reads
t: 3:46:30
